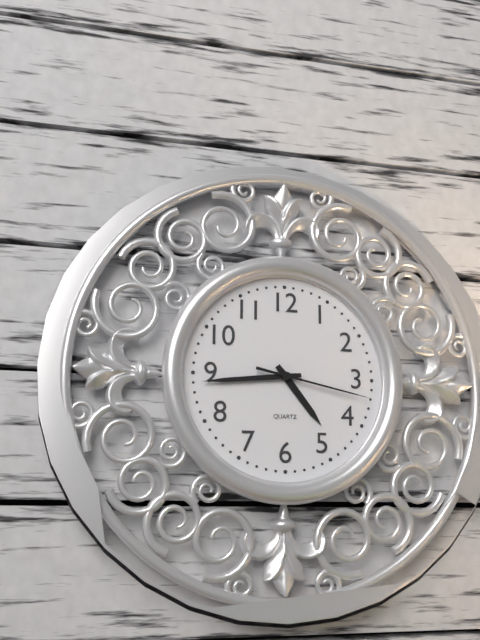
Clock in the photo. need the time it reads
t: 4:44:17
